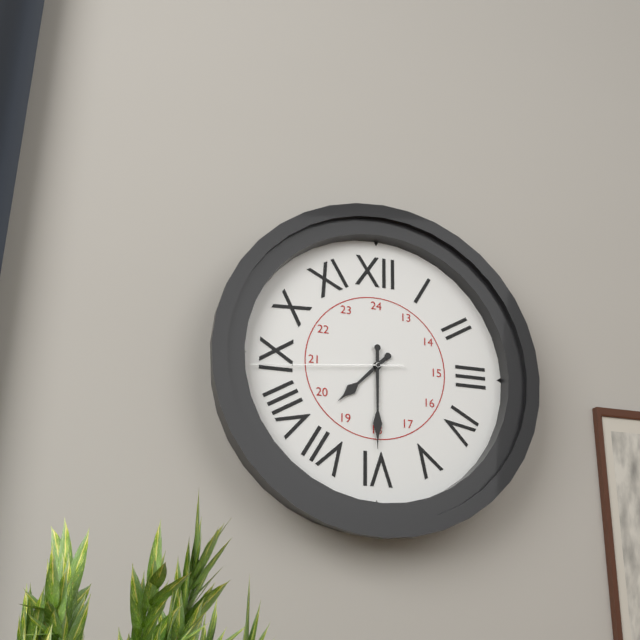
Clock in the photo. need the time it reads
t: 7:30:44
